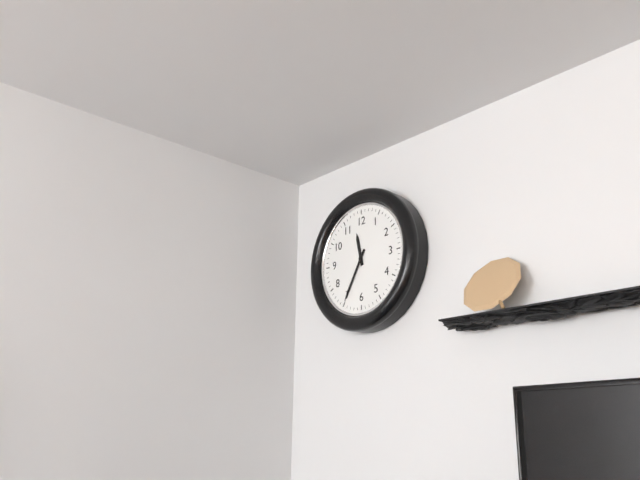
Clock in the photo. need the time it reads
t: 11:35
